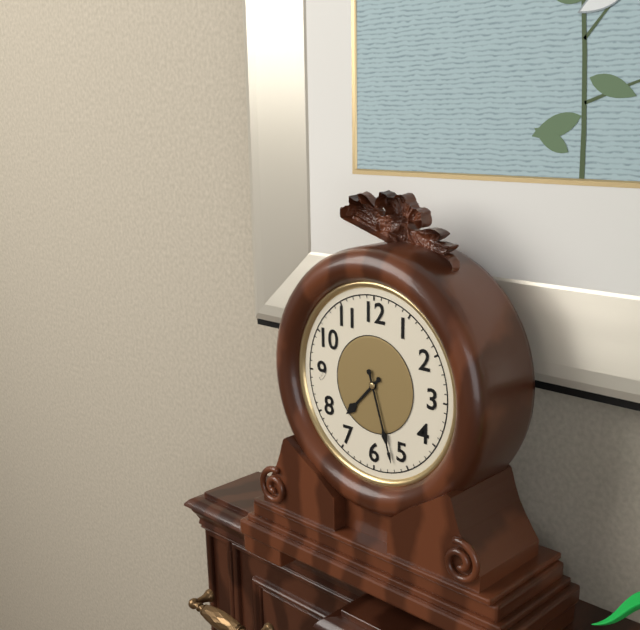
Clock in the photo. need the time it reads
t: 7:27
